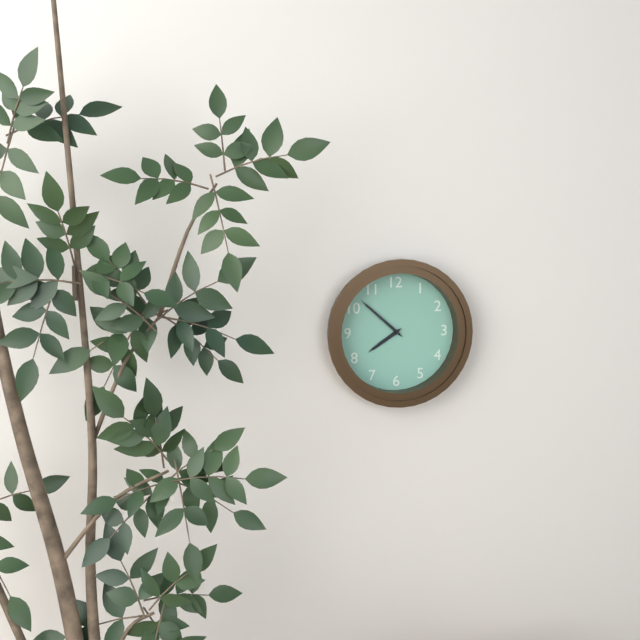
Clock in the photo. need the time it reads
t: 7:52
